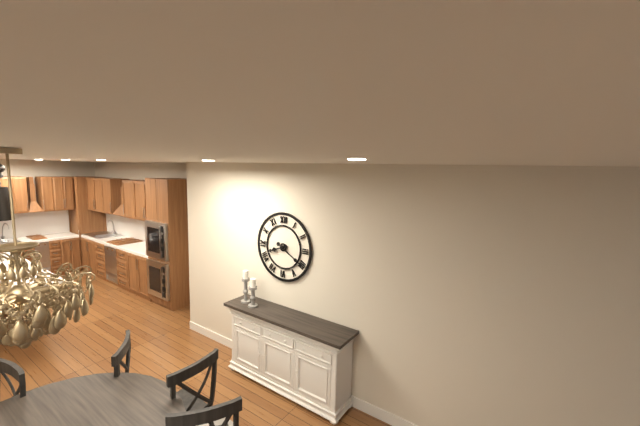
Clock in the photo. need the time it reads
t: 8:20
